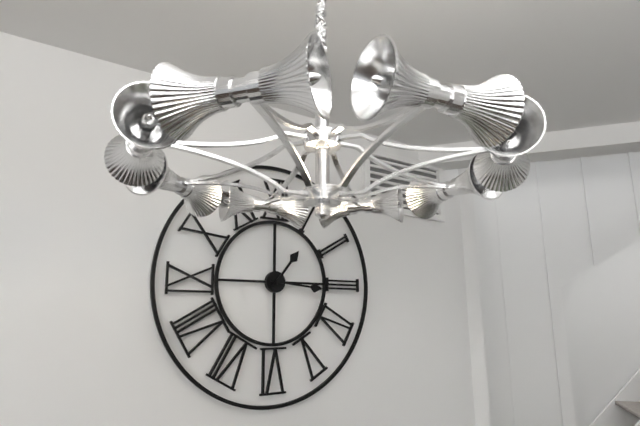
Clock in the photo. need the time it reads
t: 1:16
